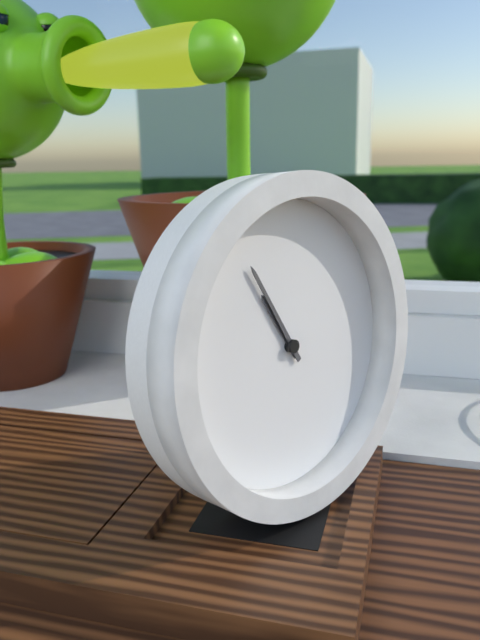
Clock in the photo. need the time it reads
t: 10:55
